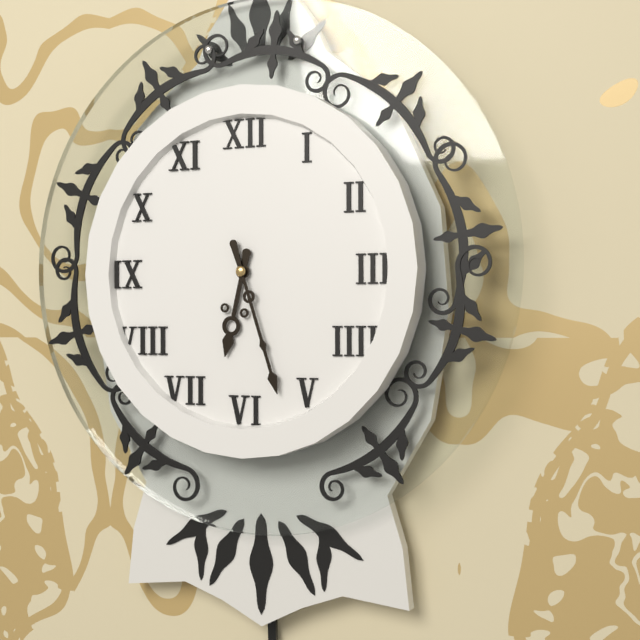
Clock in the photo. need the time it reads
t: 6:27
